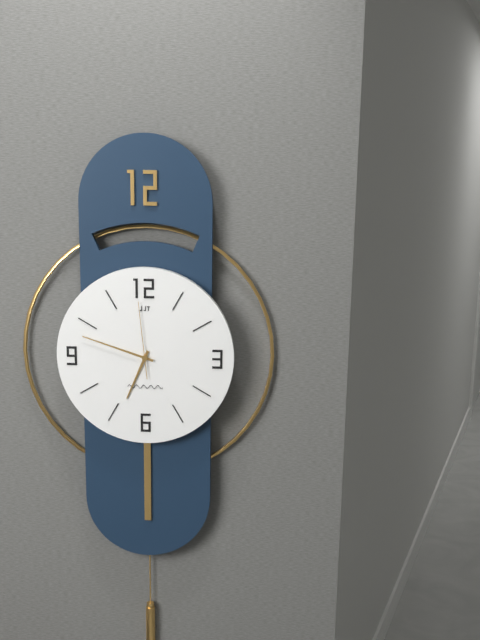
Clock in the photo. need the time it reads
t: 6:48:59
